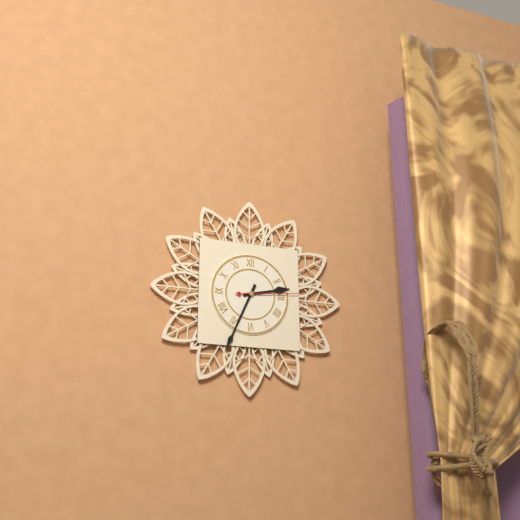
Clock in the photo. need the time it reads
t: 2:34:14
